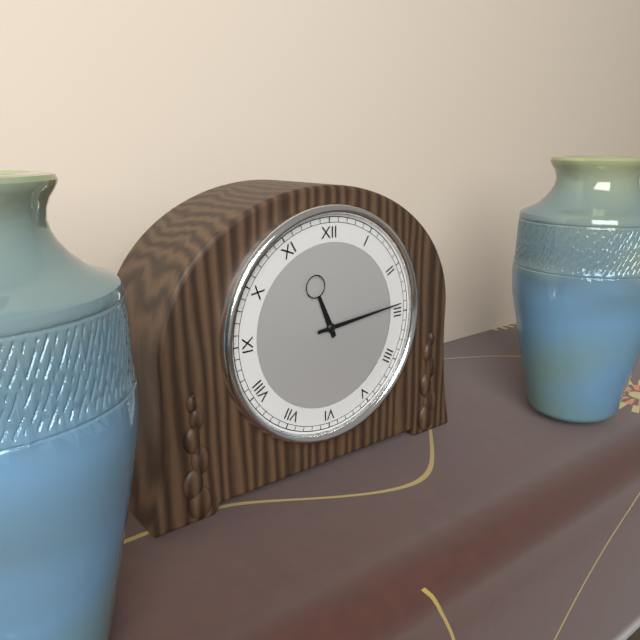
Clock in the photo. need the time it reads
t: 11:14
